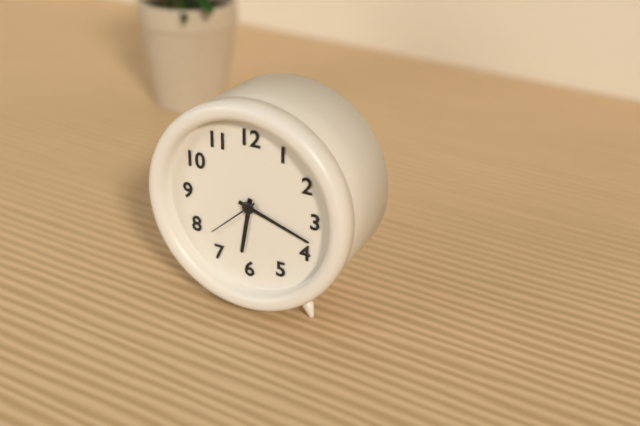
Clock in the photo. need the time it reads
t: 6:18:38
